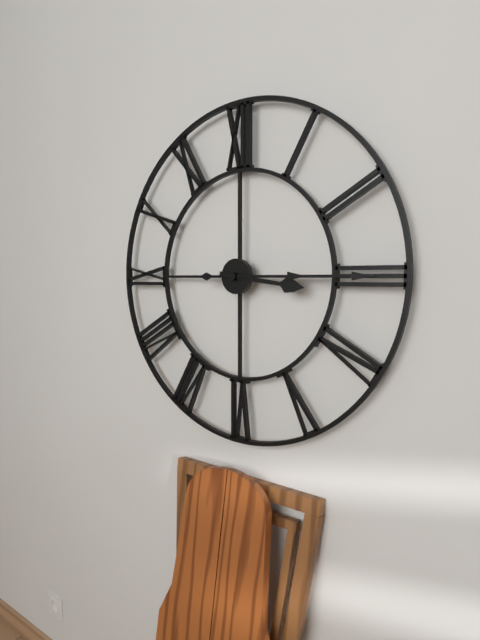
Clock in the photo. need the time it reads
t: 3:15
